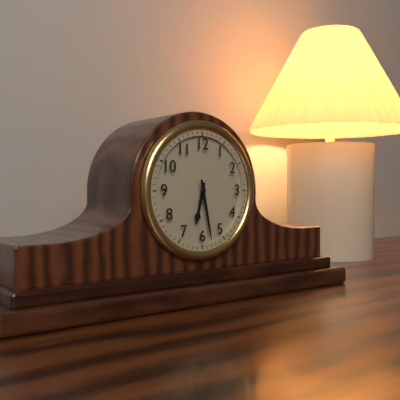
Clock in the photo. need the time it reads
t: 6:28
